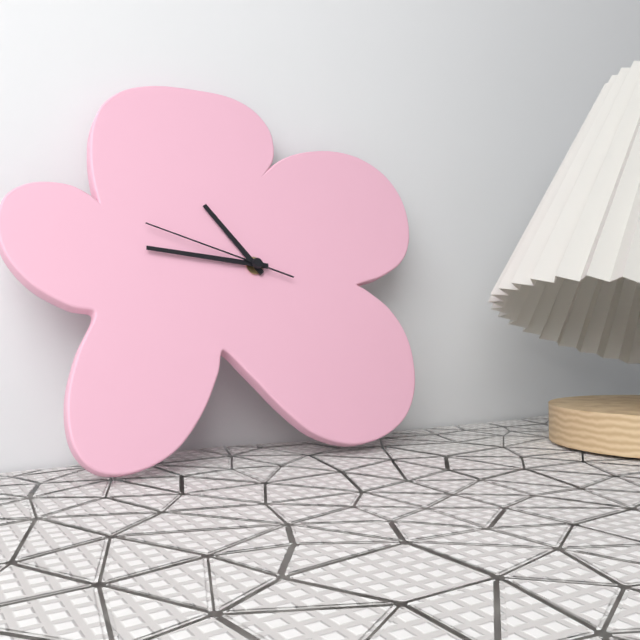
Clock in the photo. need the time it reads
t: 10:46:48
